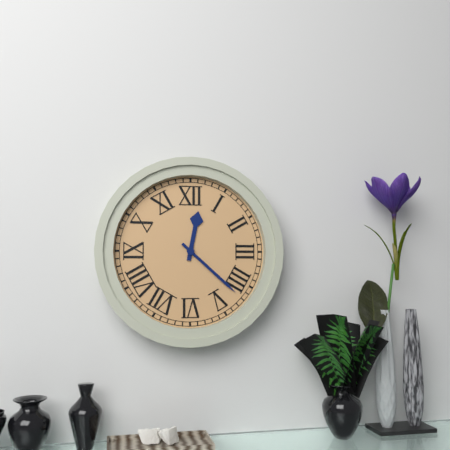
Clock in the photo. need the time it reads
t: 12:22
